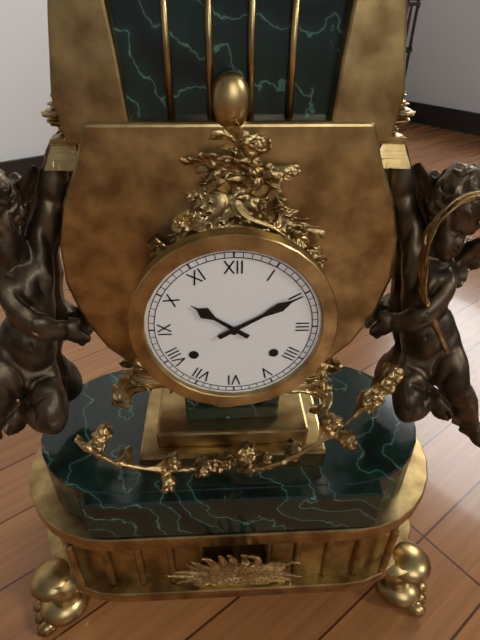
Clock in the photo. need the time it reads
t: 10:10
